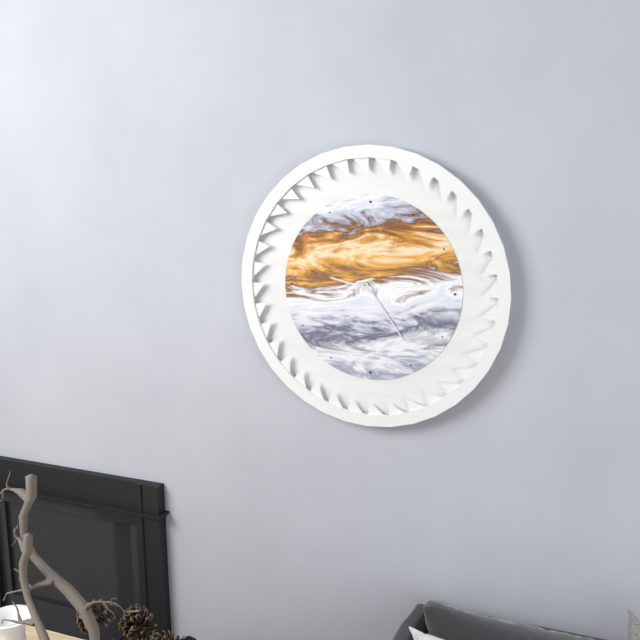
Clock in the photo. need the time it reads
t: 9:24
